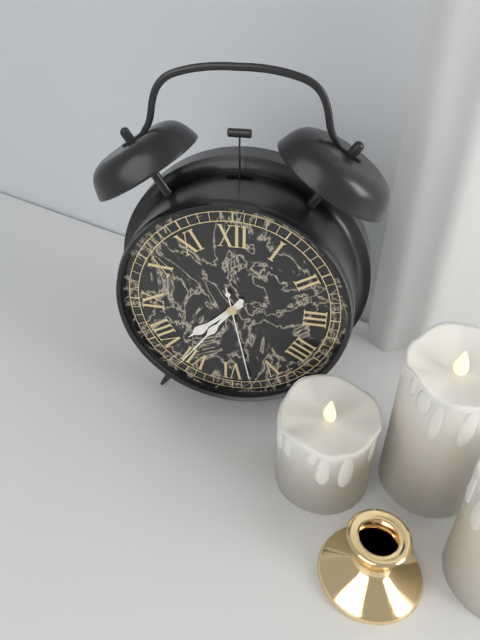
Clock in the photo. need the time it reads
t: 7:36:28
